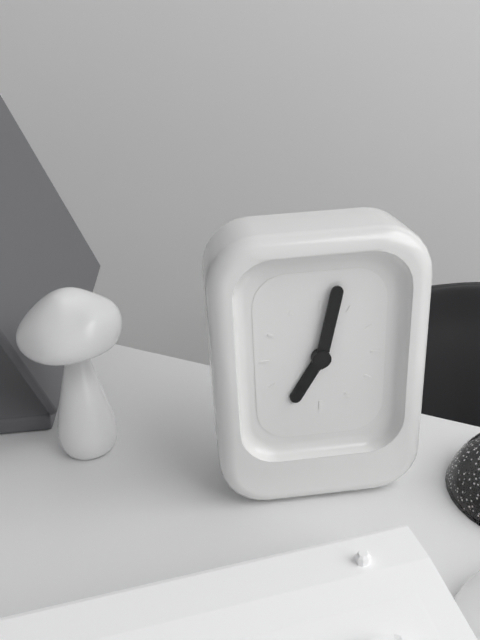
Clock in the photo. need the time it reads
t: 7:02
